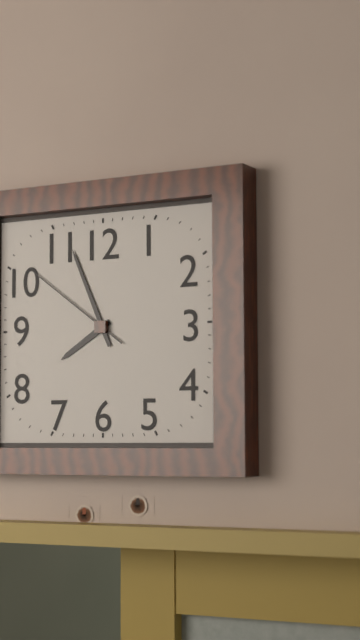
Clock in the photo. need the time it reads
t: 7:56:51
